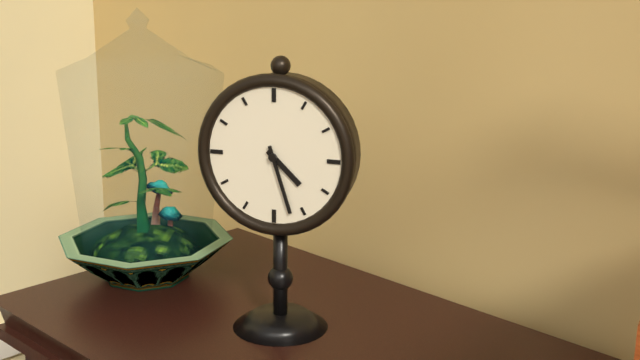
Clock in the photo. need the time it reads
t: 4:27
